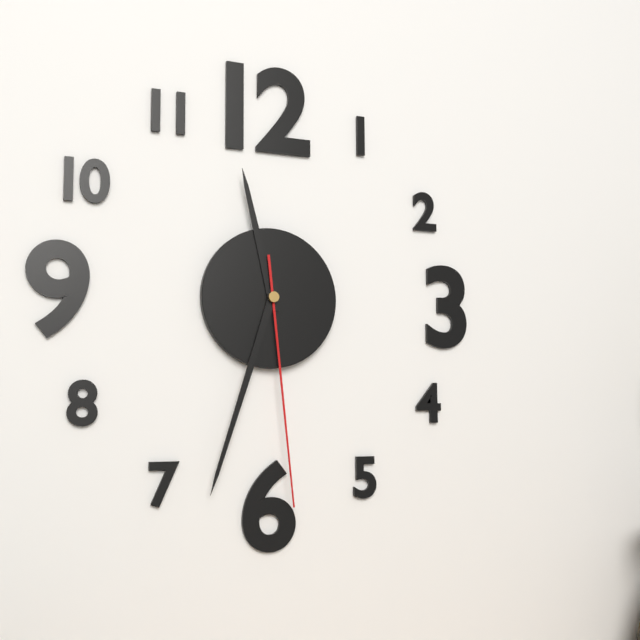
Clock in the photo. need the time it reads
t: 11:33:29
